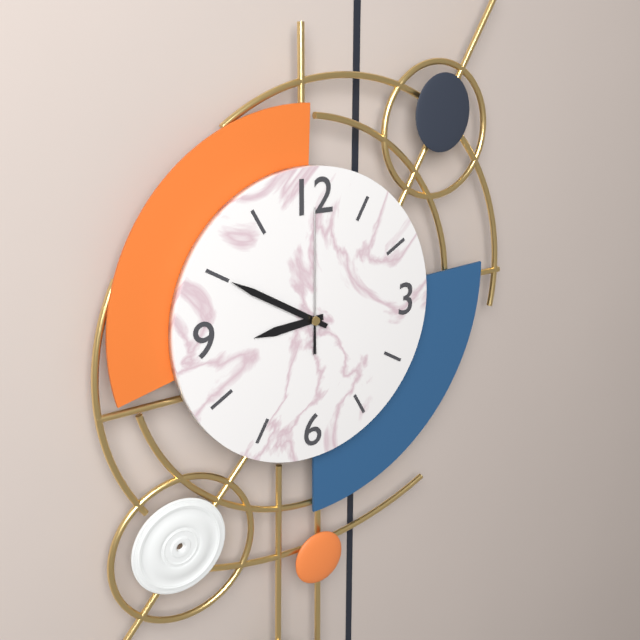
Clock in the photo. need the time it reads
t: 8:50:00
